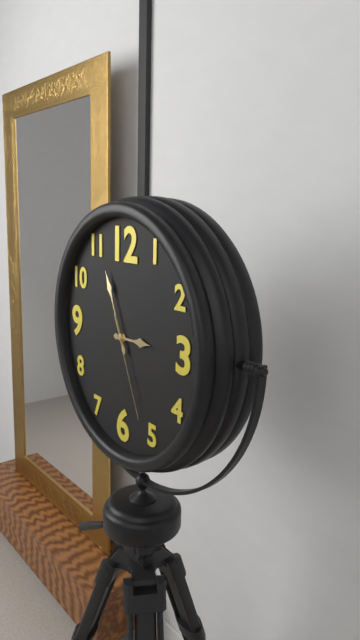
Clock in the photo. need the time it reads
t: 2:56:26
